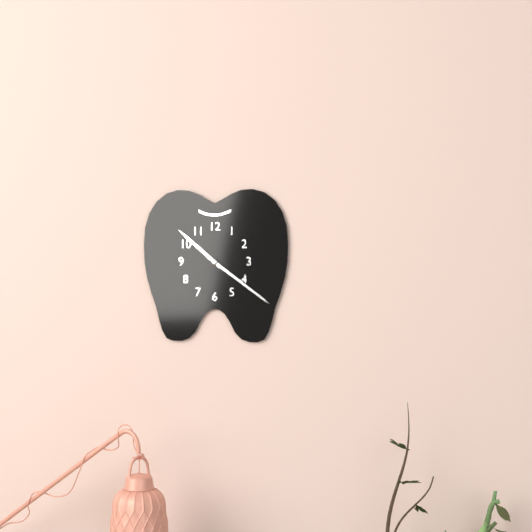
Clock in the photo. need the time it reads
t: 10:21
